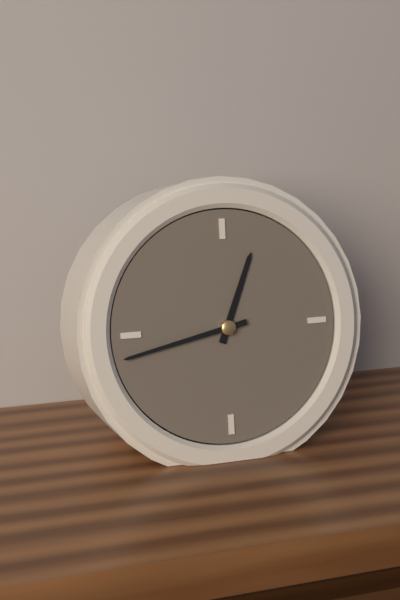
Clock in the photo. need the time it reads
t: 12:43
